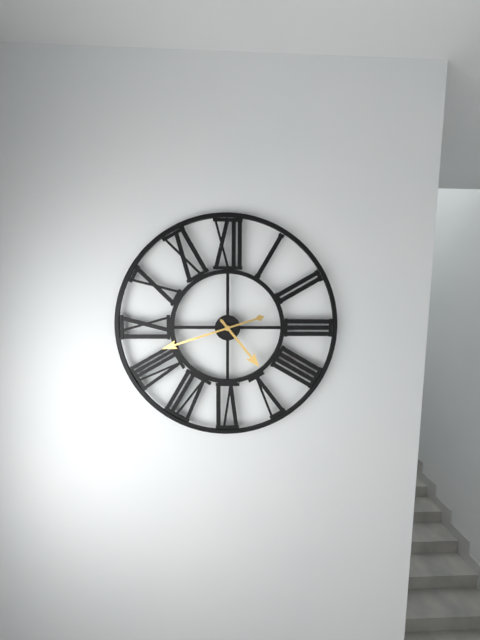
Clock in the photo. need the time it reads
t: 4:42
